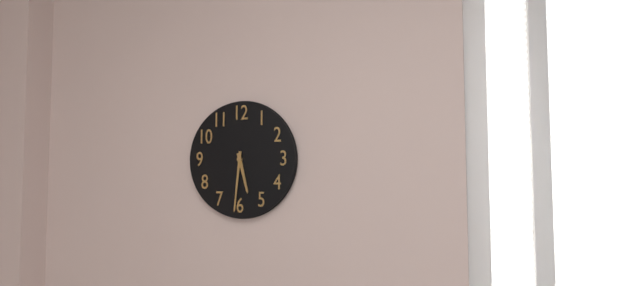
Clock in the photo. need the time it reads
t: 5:31
